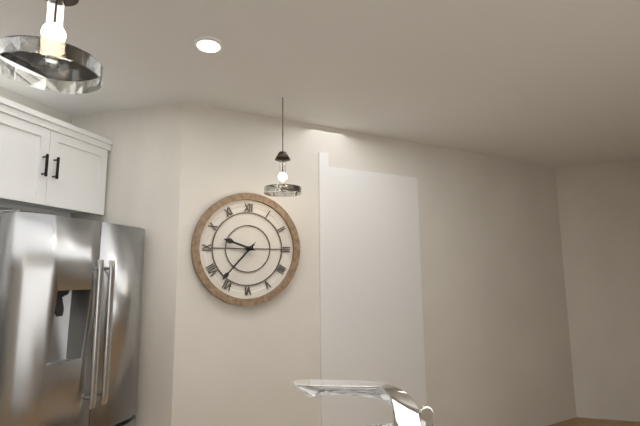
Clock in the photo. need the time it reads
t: 9:37
